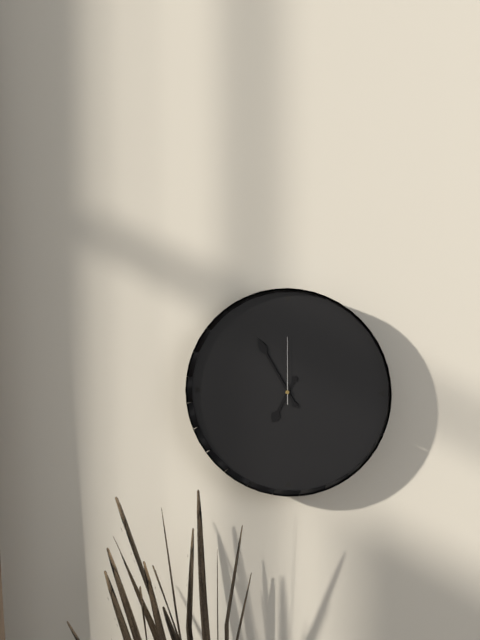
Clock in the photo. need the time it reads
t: 6:55:00
